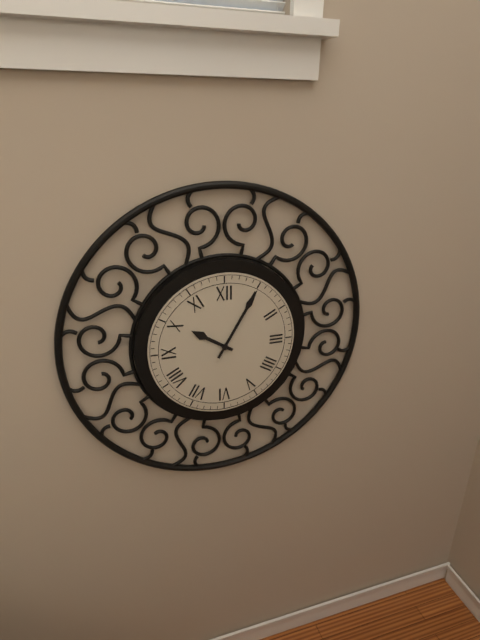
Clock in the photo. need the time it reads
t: 10:05
